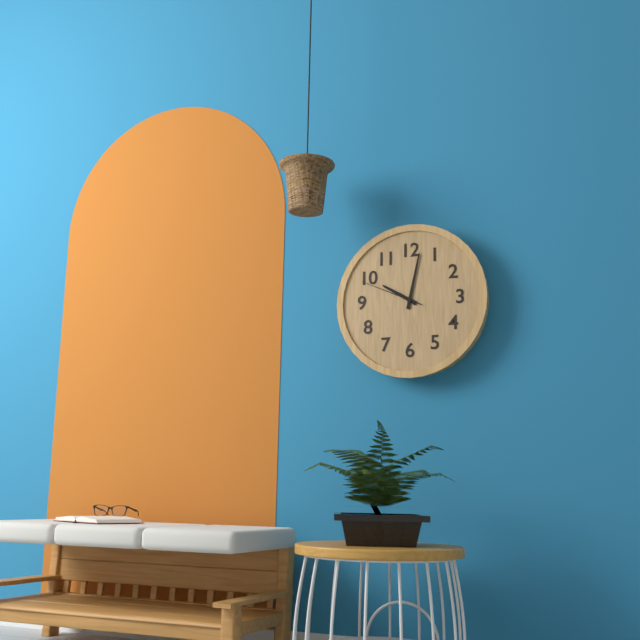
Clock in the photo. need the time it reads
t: 10:02:49
